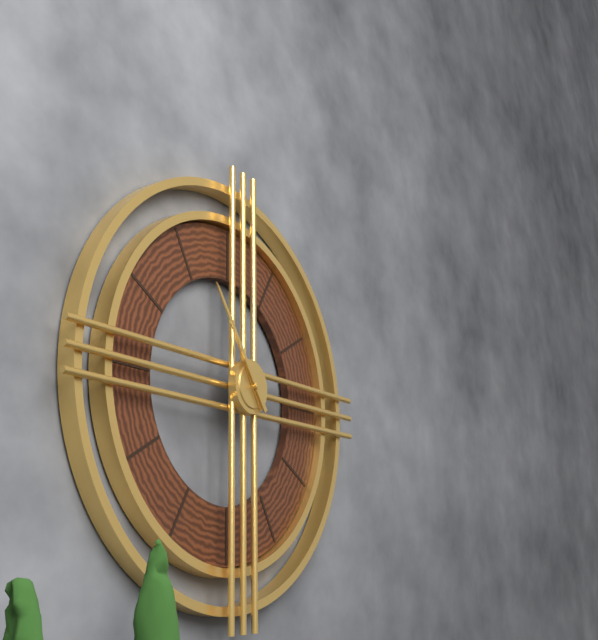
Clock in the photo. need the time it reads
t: 10:54
